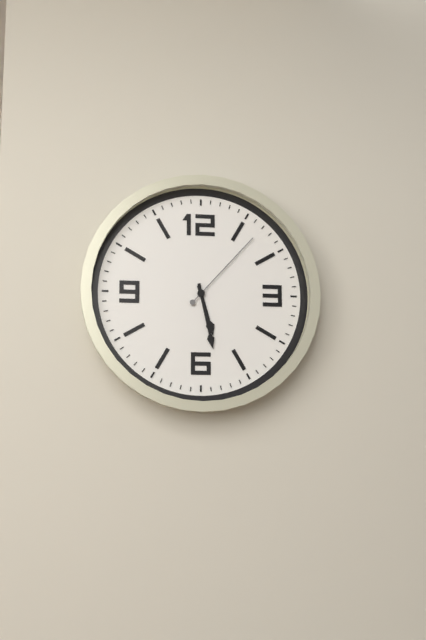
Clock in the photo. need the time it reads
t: 5:28:07
